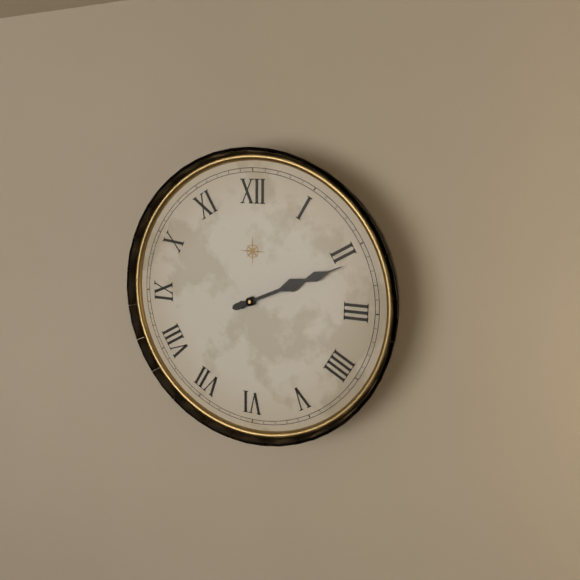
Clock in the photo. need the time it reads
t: 2:11
